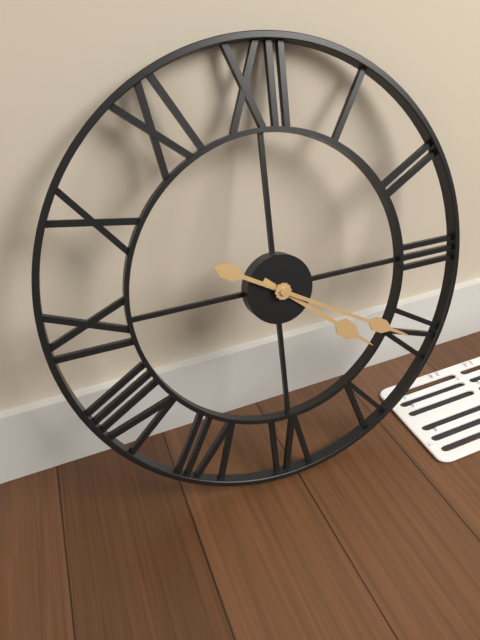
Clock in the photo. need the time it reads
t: 4:20
